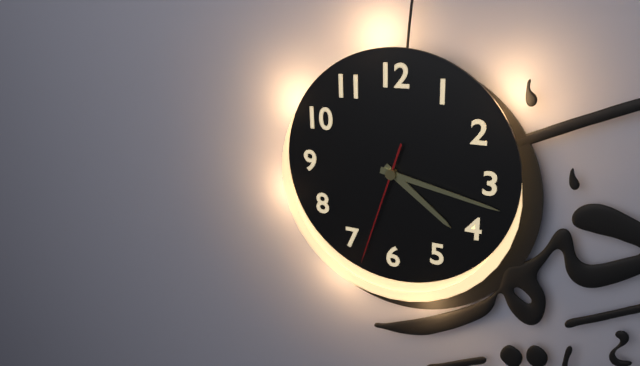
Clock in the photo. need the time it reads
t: 4:17:33
